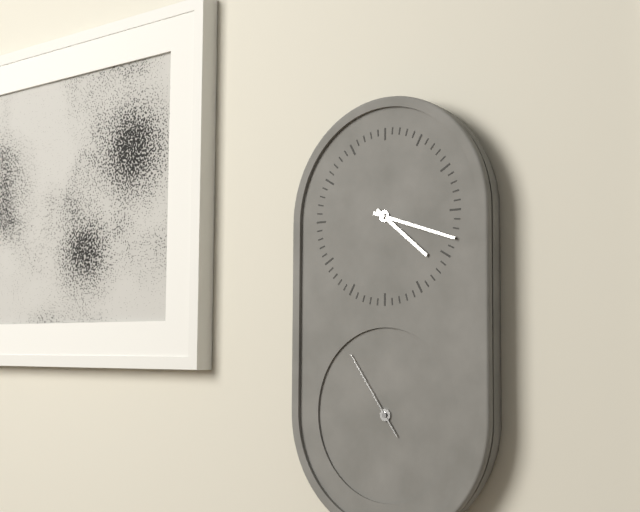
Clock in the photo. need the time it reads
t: 4:18:54
